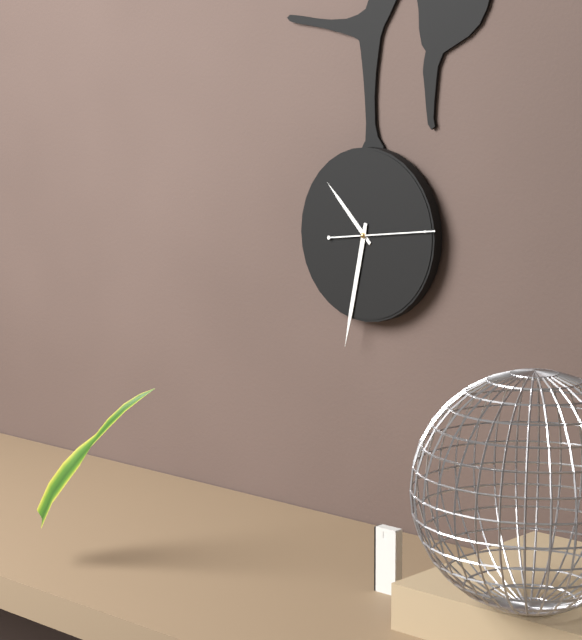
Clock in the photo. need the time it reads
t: 10:32:14
